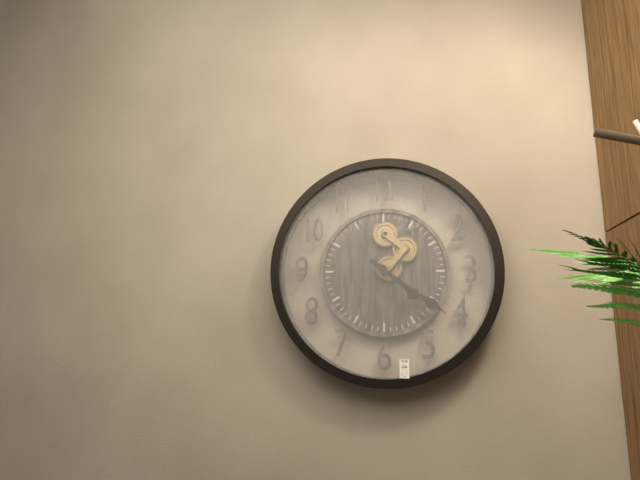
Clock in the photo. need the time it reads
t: 4:21
